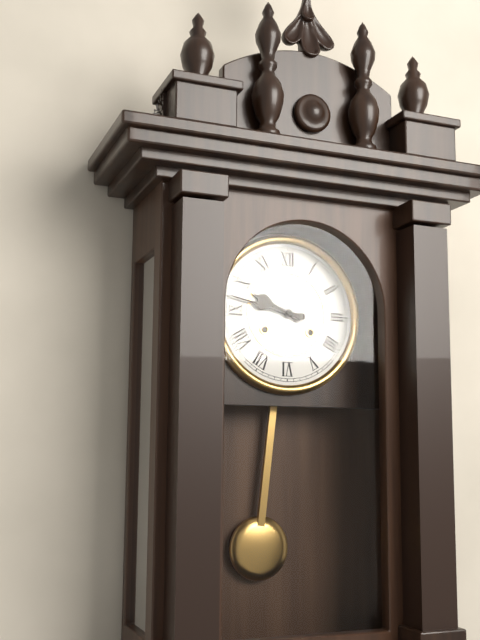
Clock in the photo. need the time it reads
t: 9:47
